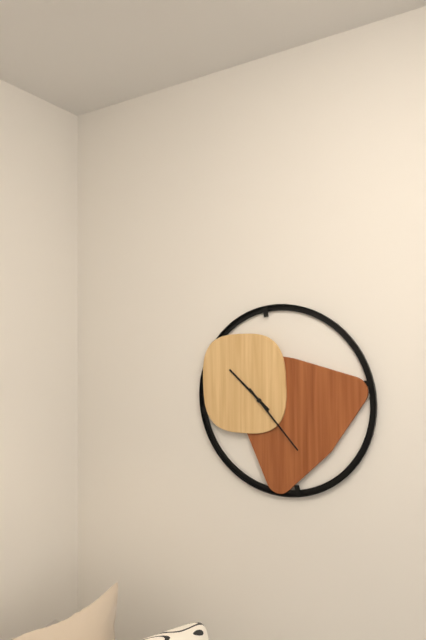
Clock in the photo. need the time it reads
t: 10:23
